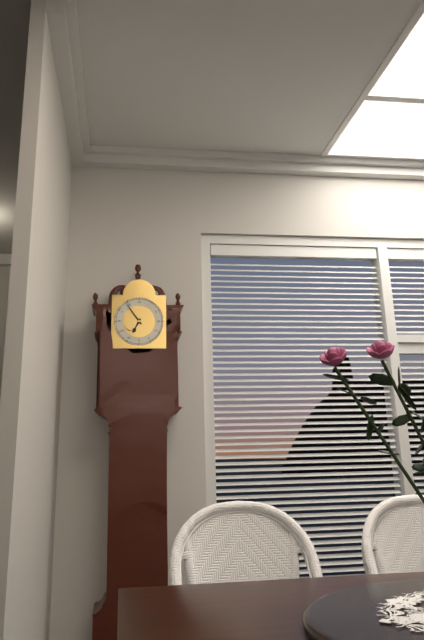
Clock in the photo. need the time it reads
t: 6:54
